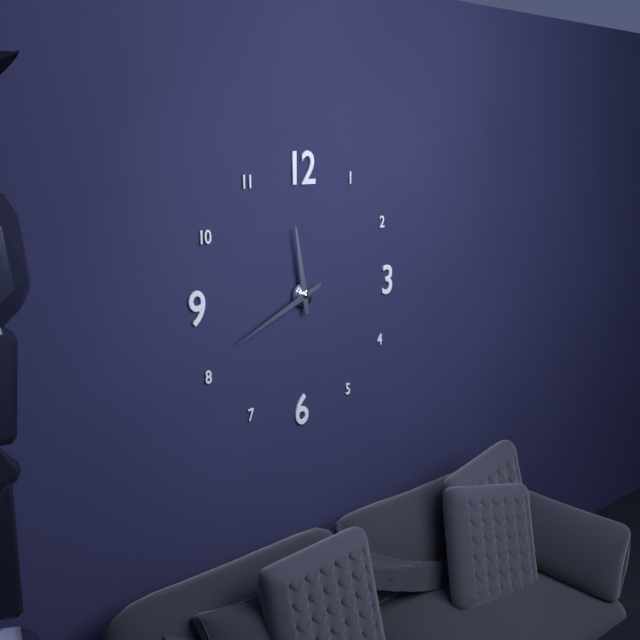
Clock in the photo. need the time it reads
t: 11:41
